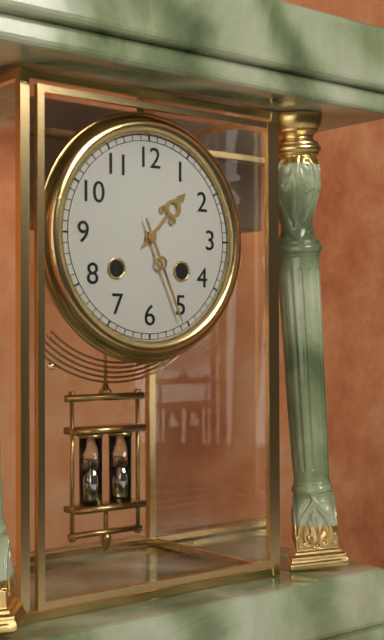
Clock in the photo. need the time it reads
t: 1:26
